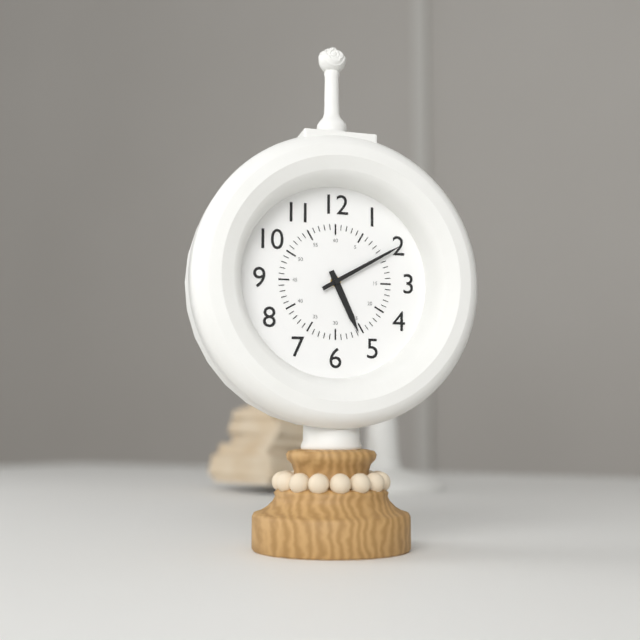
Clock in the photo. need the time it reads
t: 5:10
